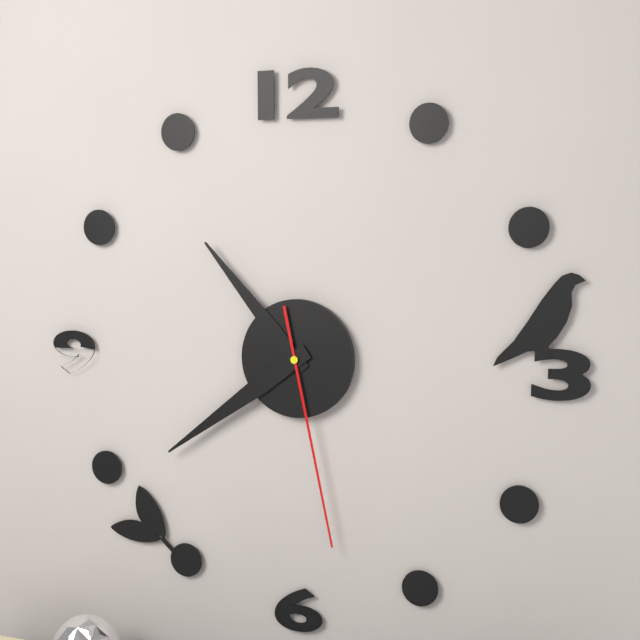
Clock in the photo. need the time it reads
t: 10:39:28
